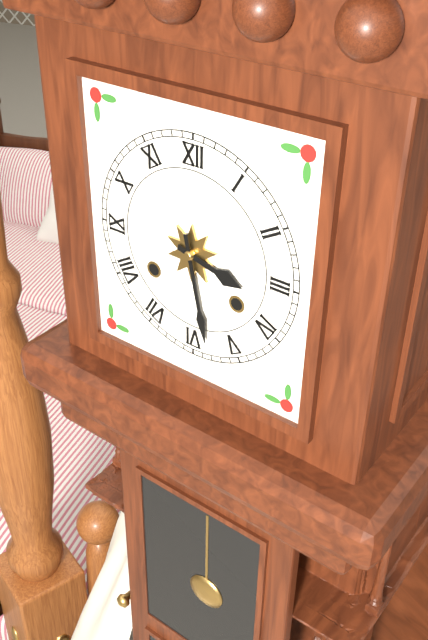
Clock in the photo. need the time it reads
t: 3:28
